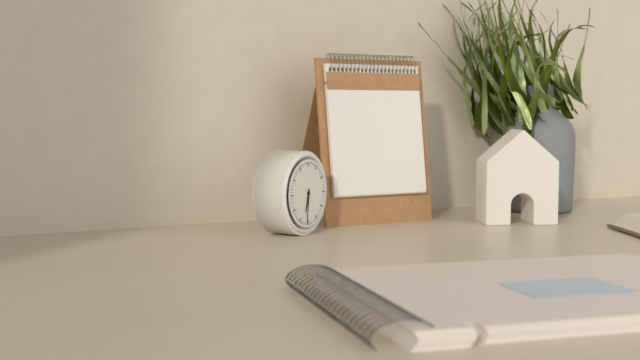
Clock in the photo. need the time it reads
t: 6:31
